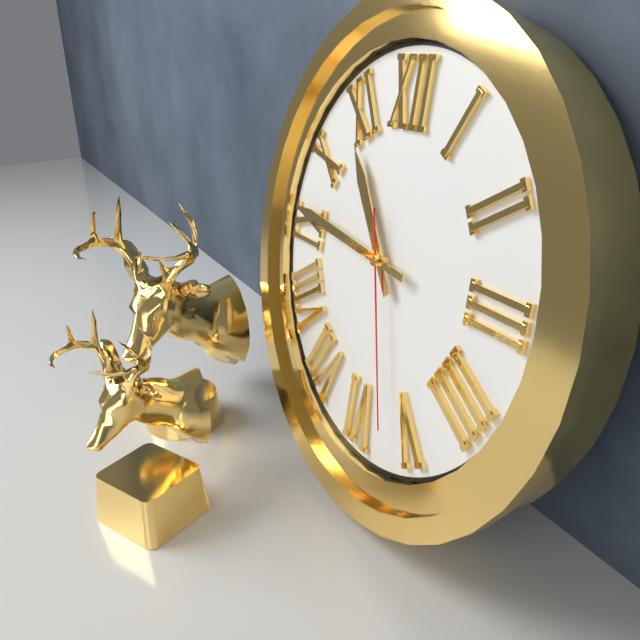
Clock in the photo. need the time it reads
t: 10:46:27
